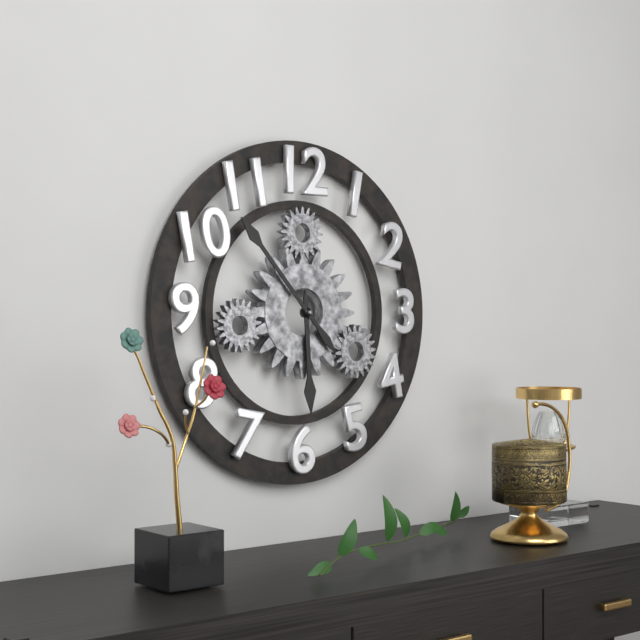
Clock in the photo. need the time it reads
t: 5:53
